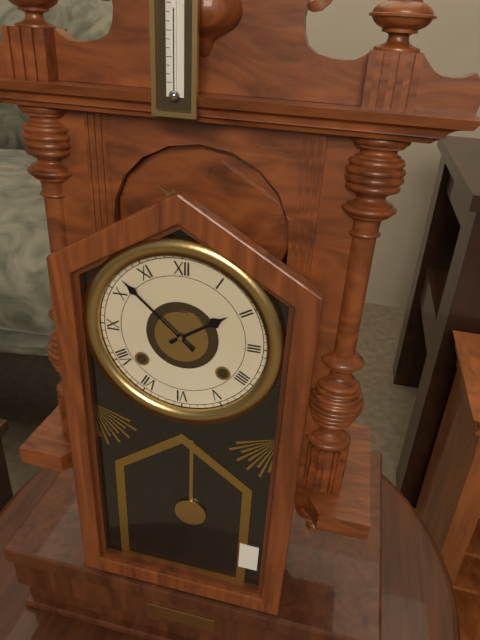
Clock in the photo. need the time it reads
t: 1:52
